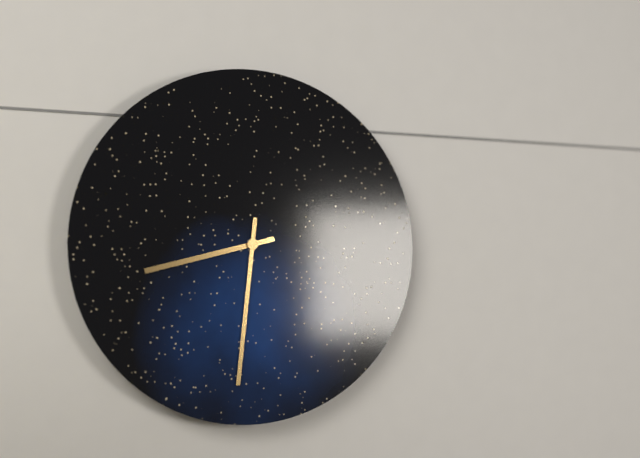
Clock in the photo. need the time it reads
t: 8:31
